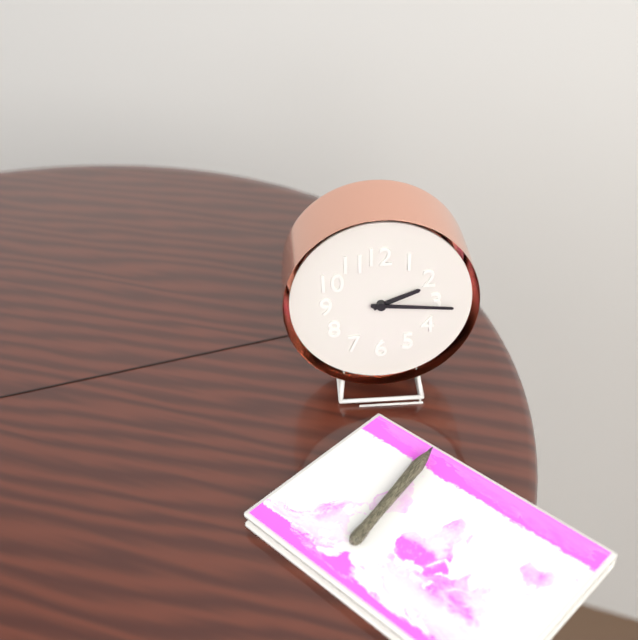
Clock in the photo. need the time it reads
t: 2:16
